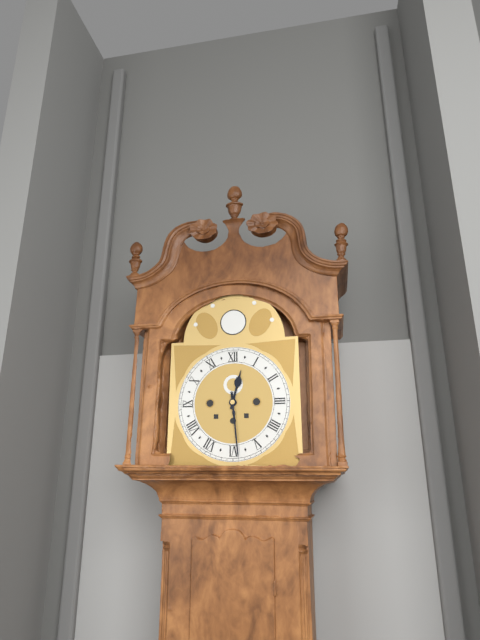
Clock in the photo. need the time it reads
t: 12:29
